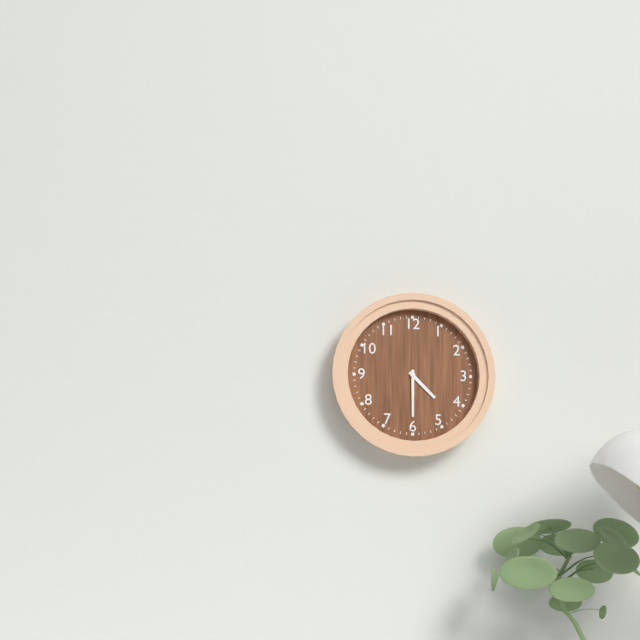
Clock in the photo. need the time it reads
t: 4:30
